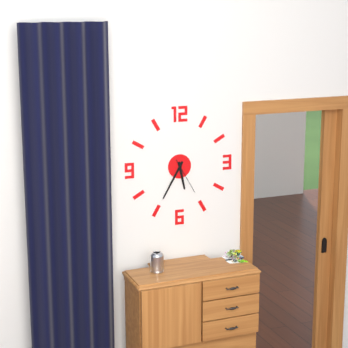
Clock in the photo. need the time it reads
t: 5:35
